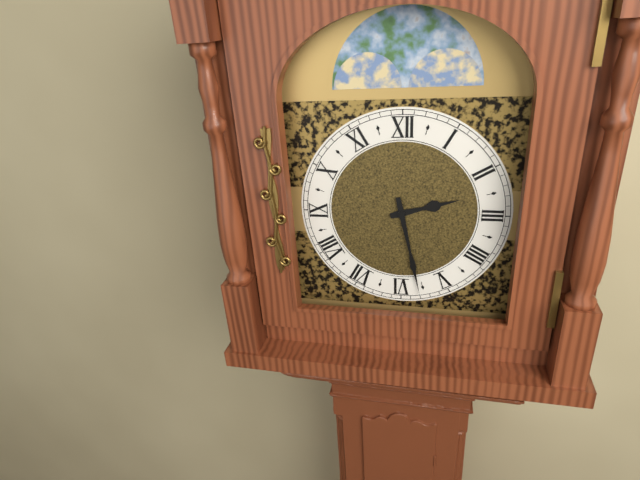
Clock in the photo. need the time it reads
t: 2:28
